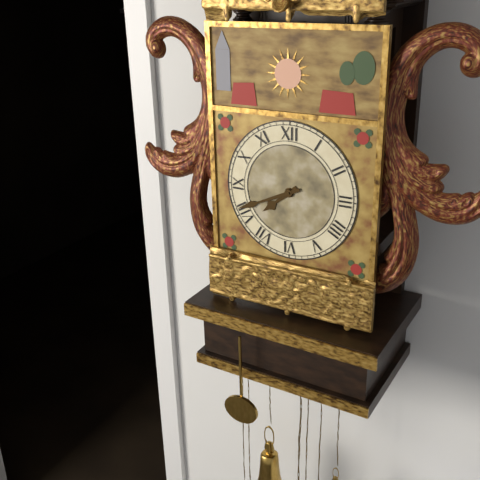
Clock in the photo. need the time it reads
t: 7:41
